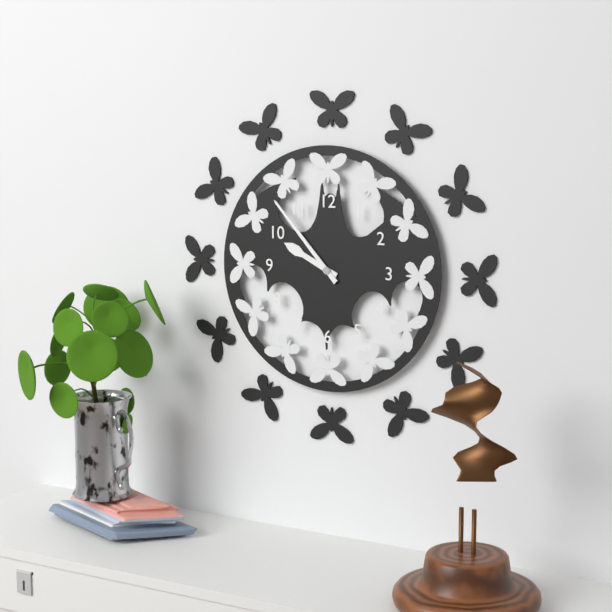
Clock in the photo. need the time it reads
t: 9:53
